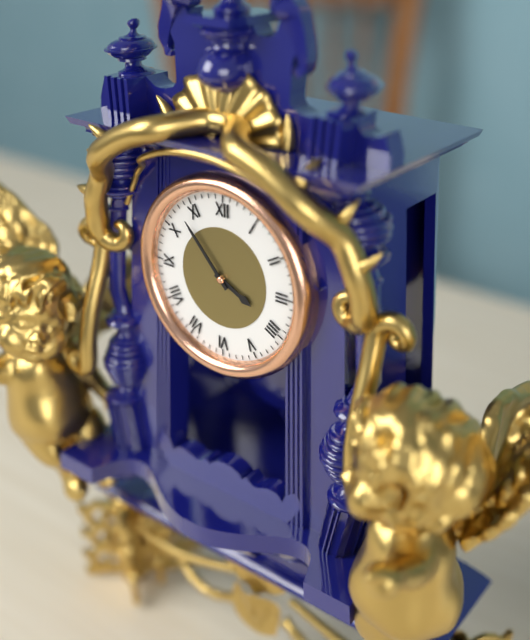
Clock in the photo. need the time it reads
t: 3:53
